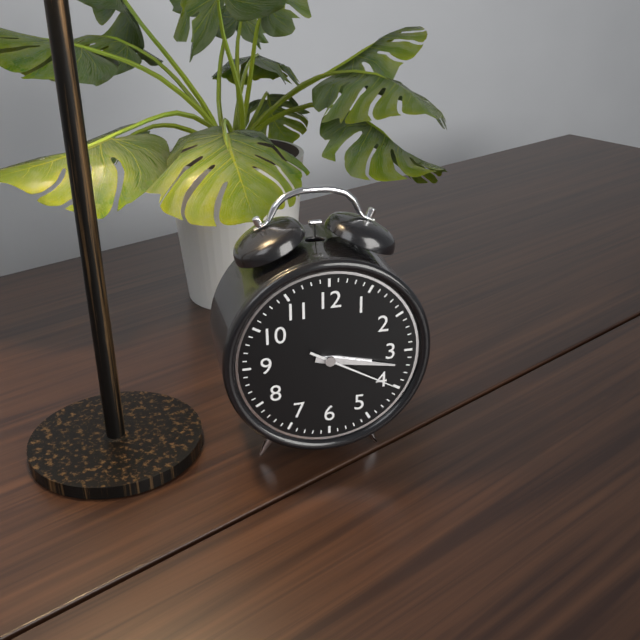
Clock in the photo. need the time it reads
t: 3:17:20
